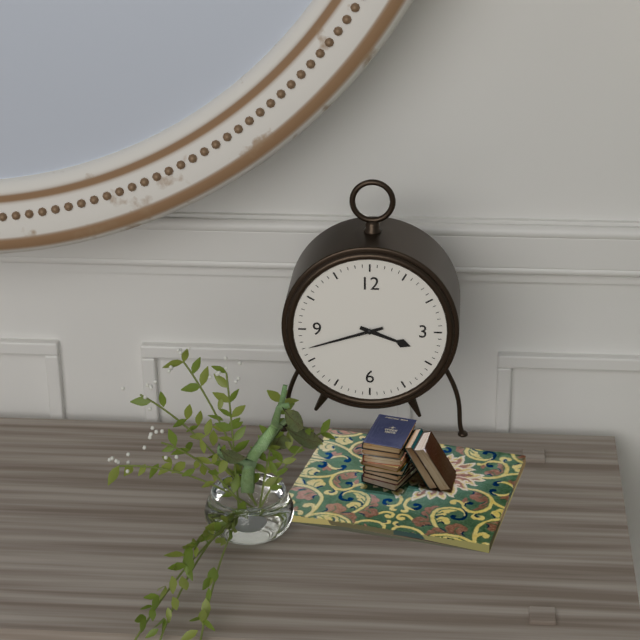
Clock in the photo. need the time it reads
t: 3:42
